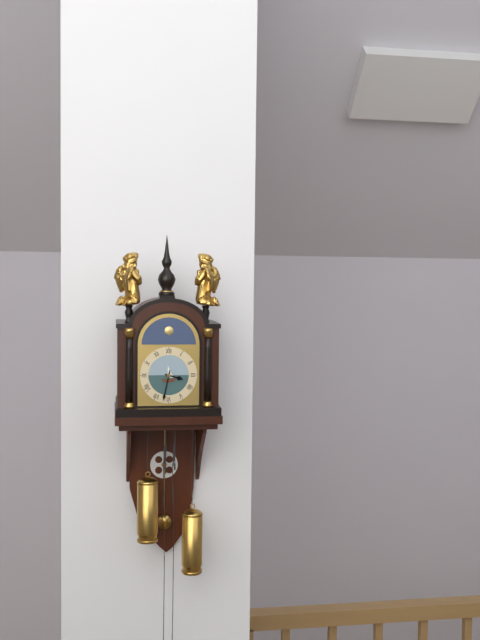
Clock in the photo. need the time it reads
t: 3:32
